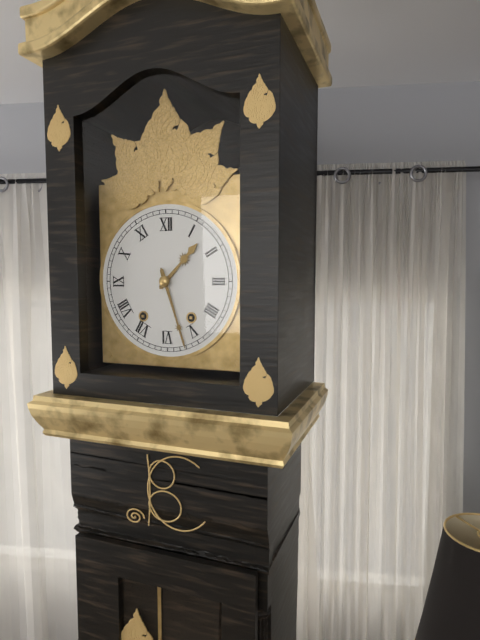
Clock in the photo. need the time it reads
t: 1:27
